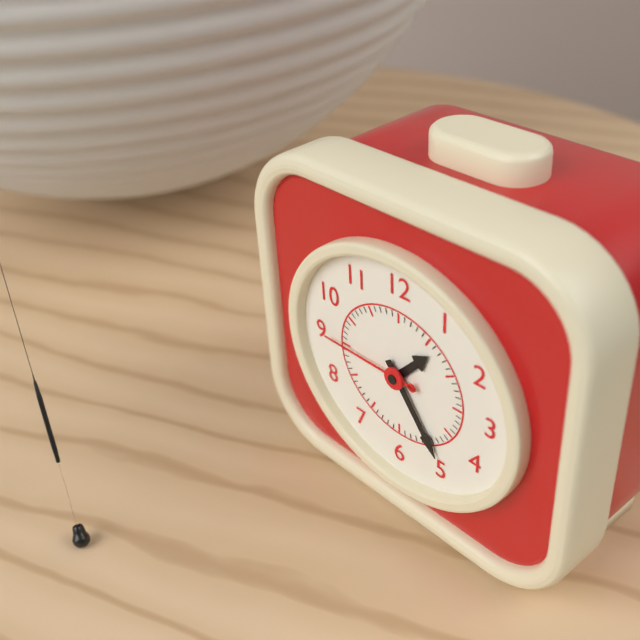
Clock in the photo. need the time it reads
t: 1:24:45
